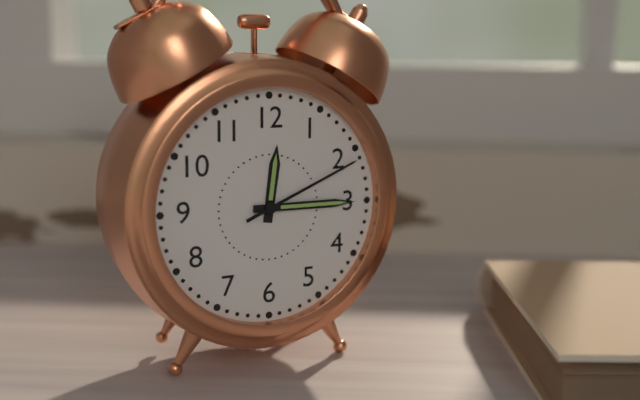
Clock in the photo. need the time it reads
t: 12:15:11
